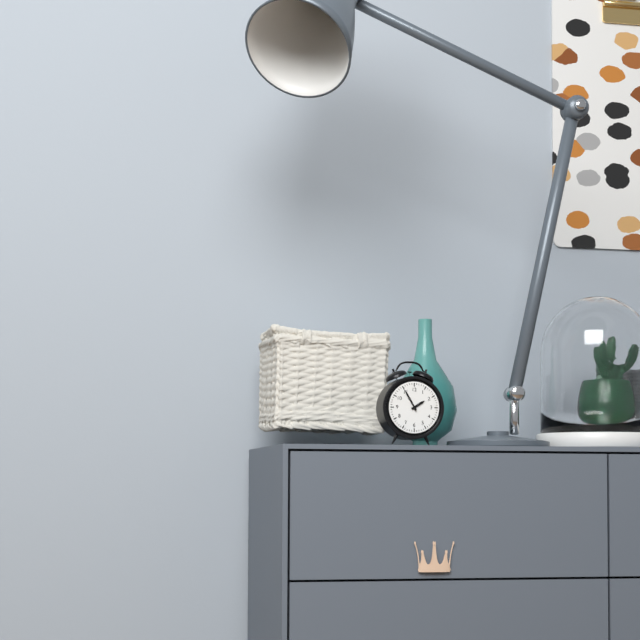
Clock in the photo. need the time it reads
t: 1:55
